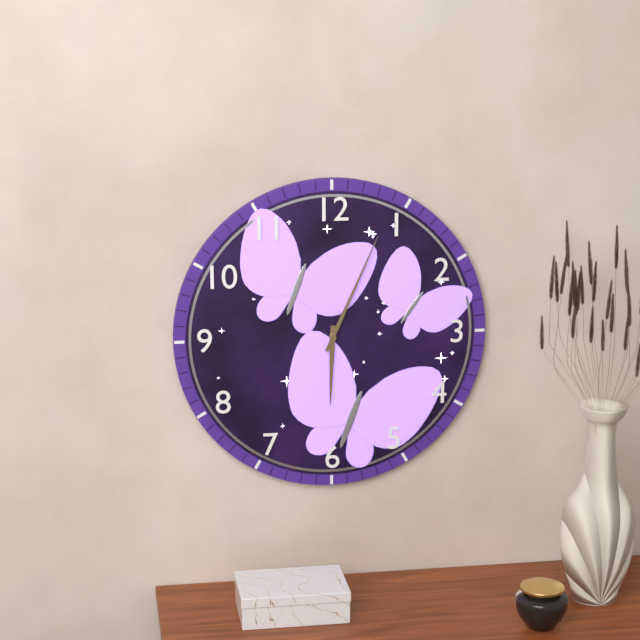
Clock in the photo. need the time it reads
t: 6:04
